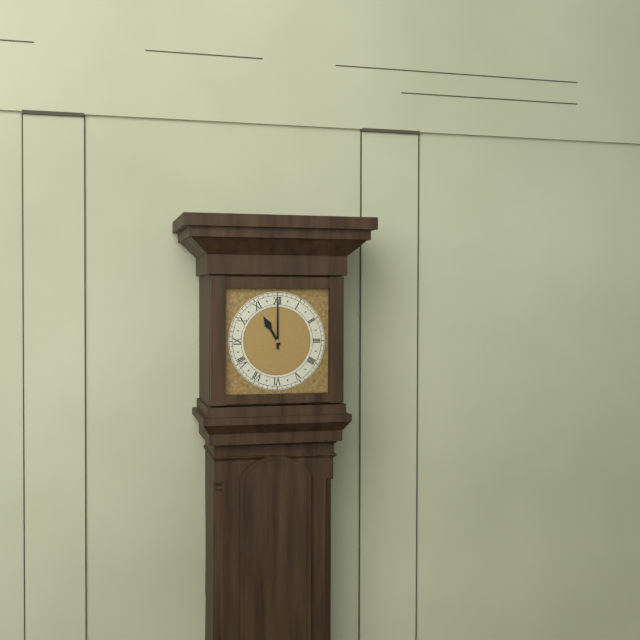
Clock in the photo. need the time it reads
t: 11:00
